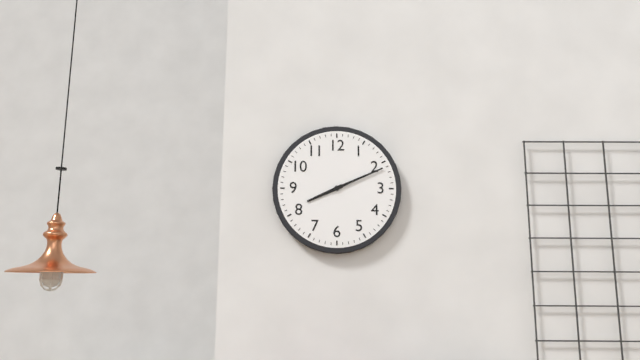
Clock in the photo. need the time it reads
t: 8:11
